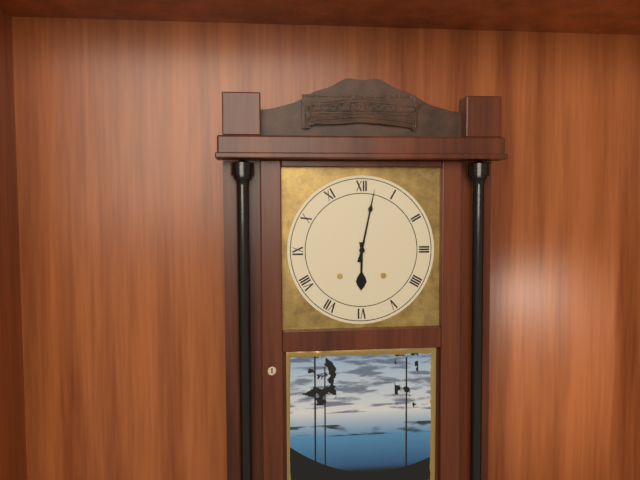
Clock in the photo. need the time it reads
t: 6:02
